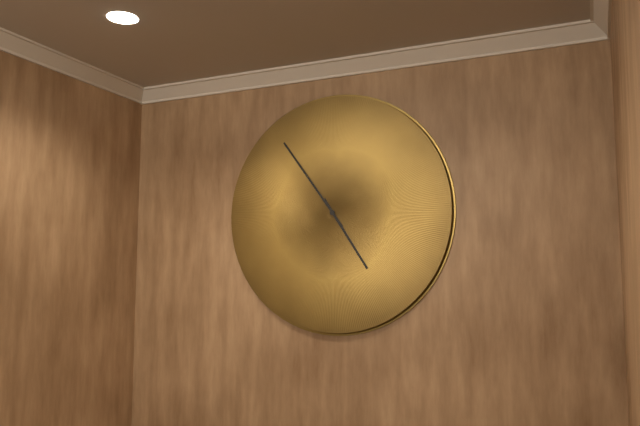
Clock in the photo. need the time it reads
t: 4:54
